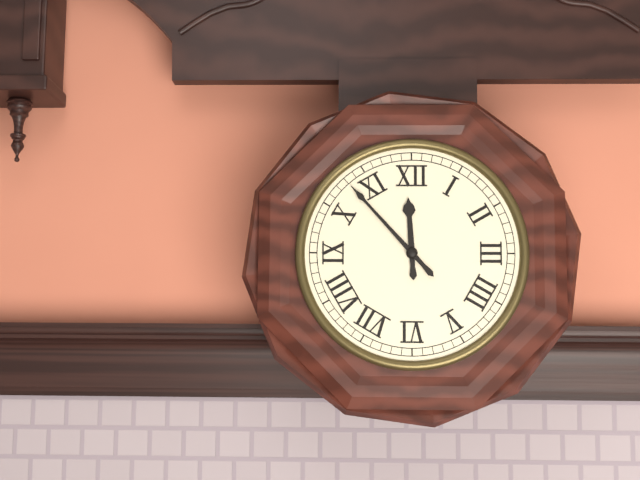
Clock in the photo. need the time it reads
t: 11:53
